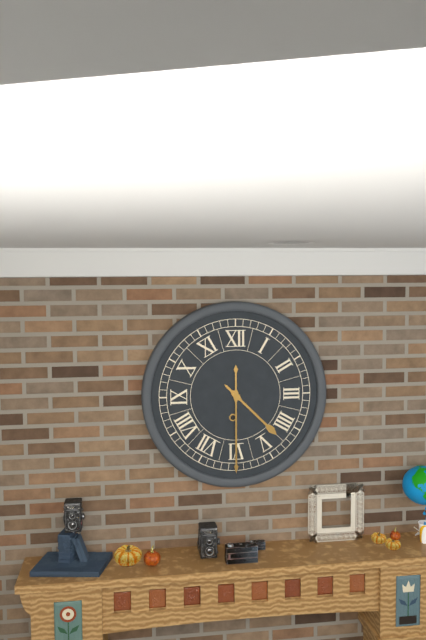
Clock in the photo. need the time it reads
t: 4:30
